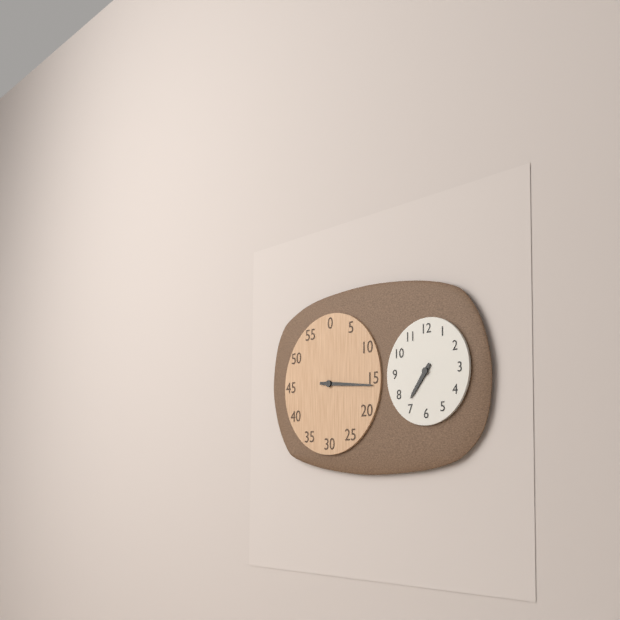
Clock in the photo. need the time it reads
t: 7:16
